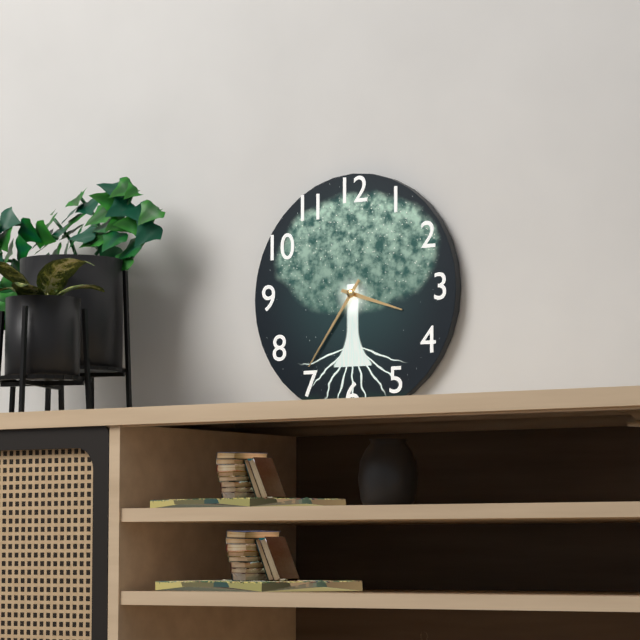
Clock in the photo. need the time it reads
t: 3:36
